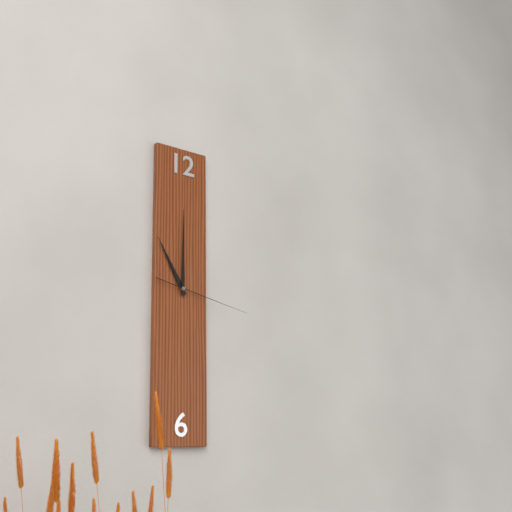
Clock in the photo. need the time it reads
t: 11:00:17
